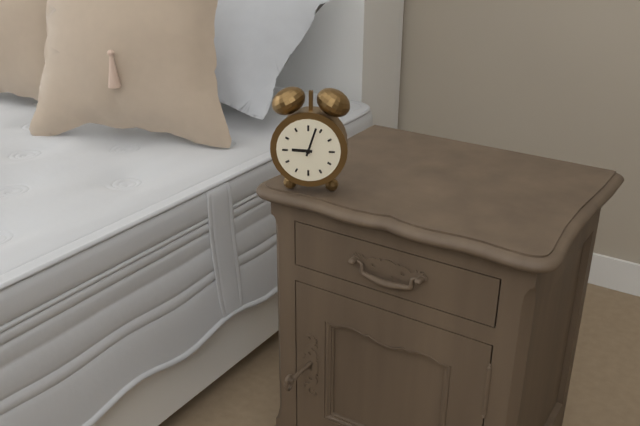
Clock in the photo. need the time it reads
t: 9:03
